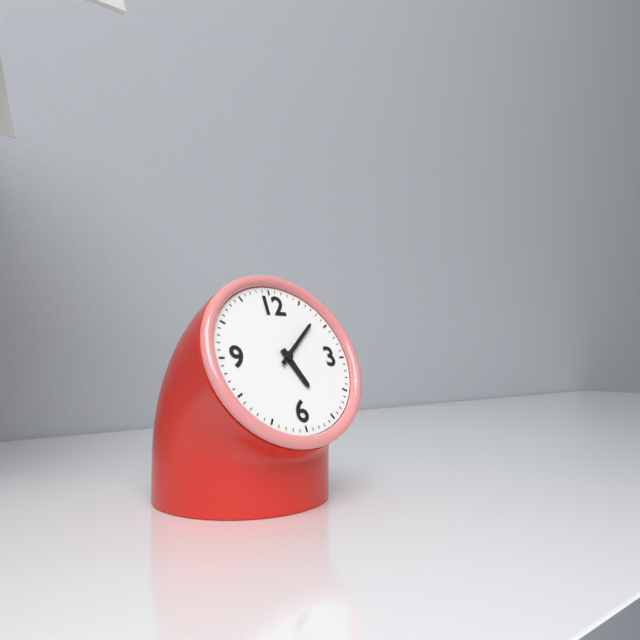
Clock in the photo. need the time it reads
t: 5:08
